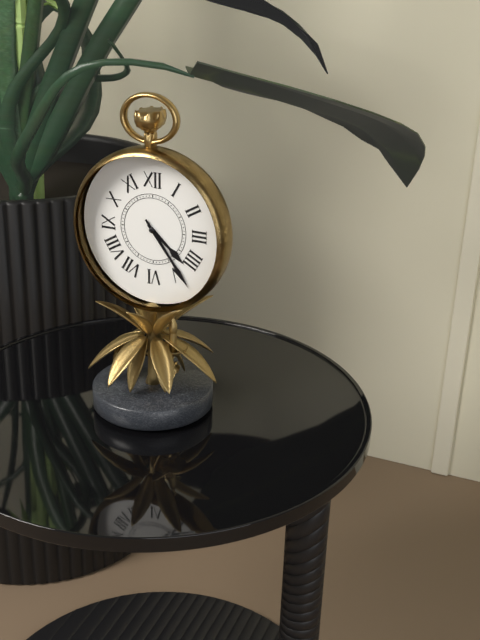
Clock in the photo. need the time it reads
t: 4:24
